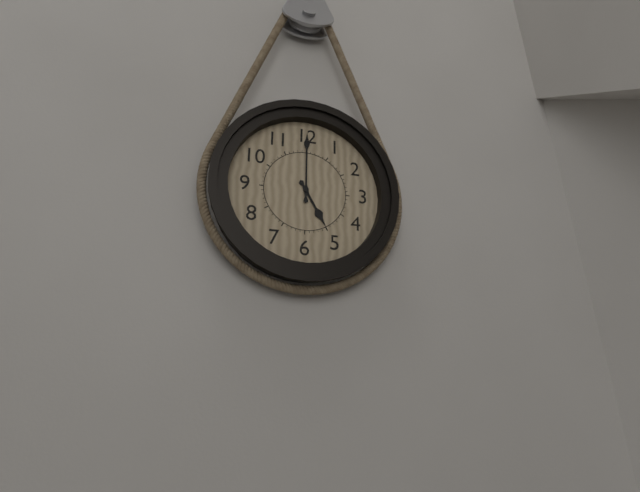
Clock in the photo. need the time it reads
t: 5:00
